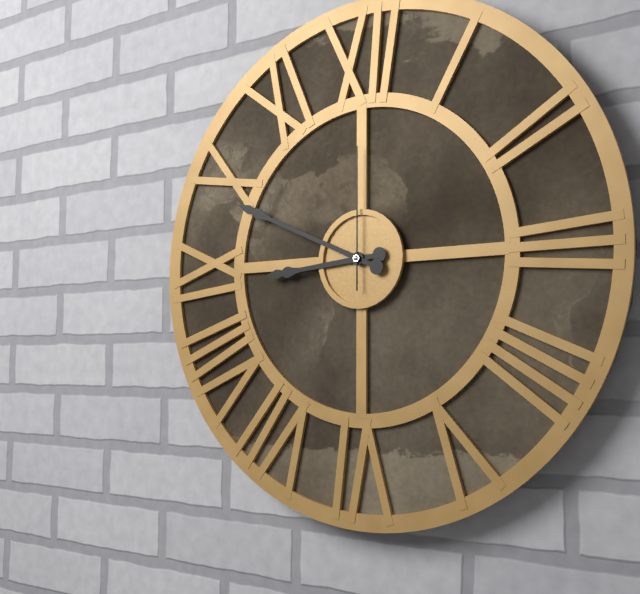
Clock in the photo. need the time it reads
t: 8:49:00
